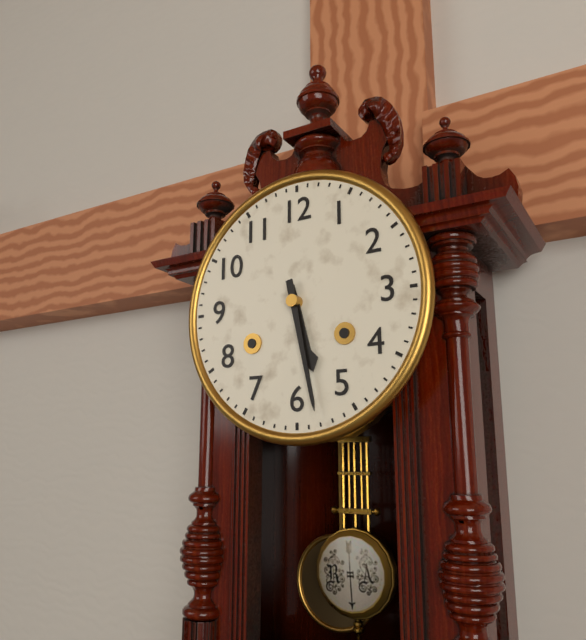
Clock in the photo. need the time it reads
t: 5:28
